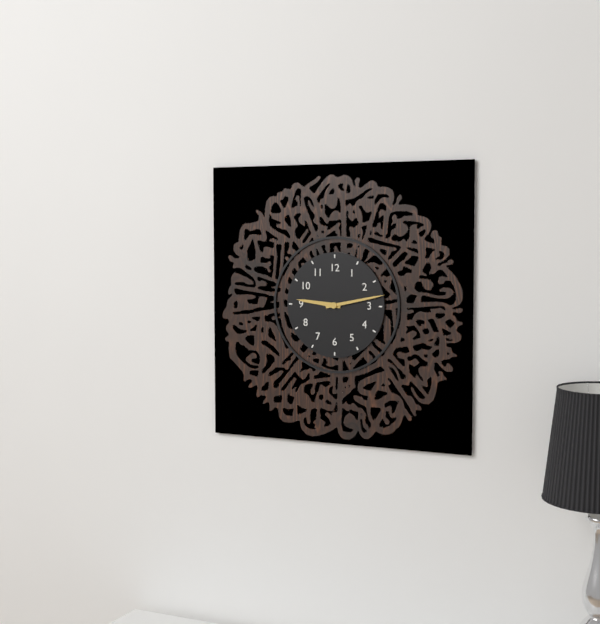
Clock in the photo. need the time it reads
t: 9:13
